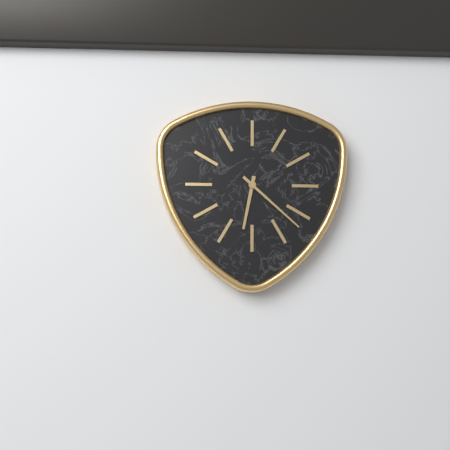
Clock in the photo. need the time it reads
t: 6:22
